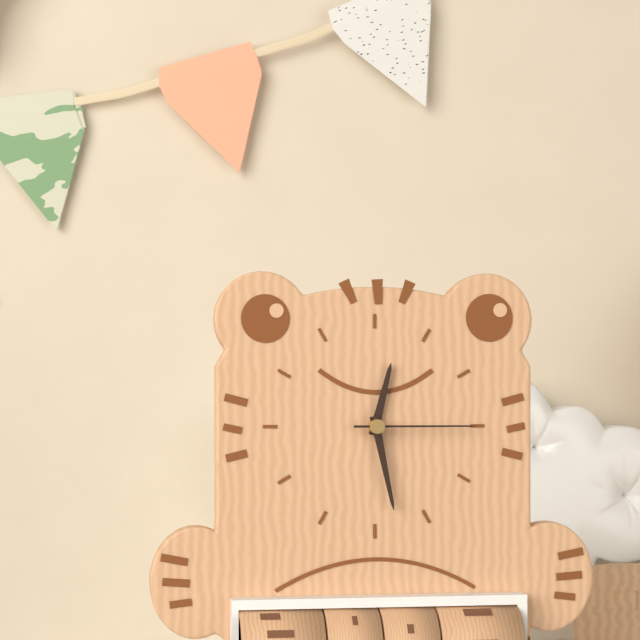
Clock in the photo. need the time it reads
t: 12:28:15
